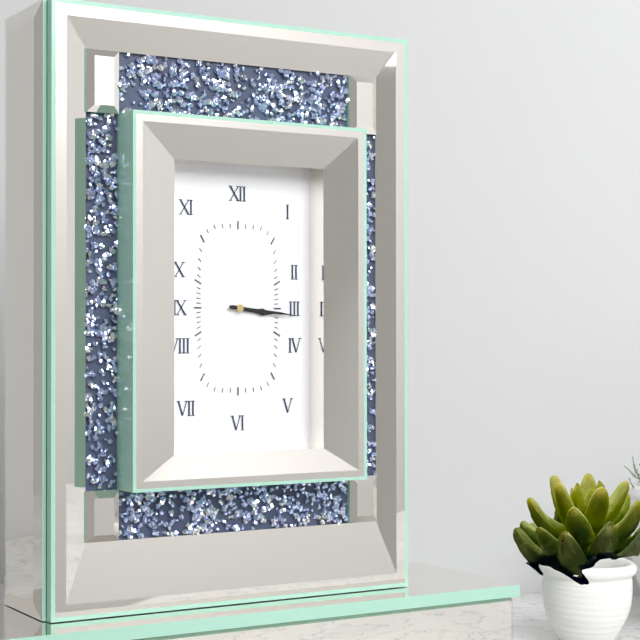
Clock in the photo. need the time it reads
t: 3:16
